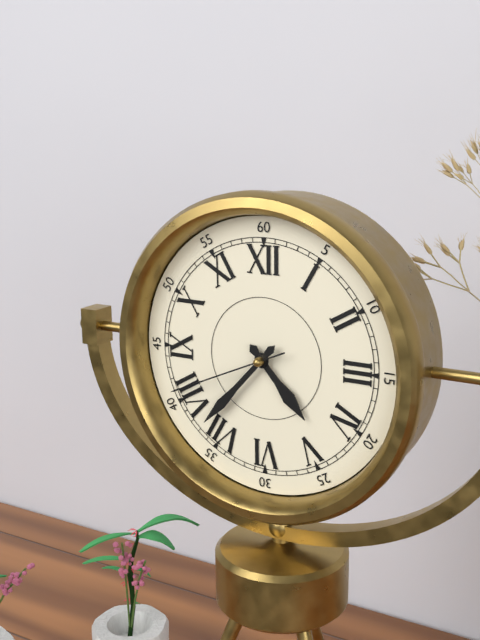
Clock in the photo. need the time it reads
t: 4:37:41
